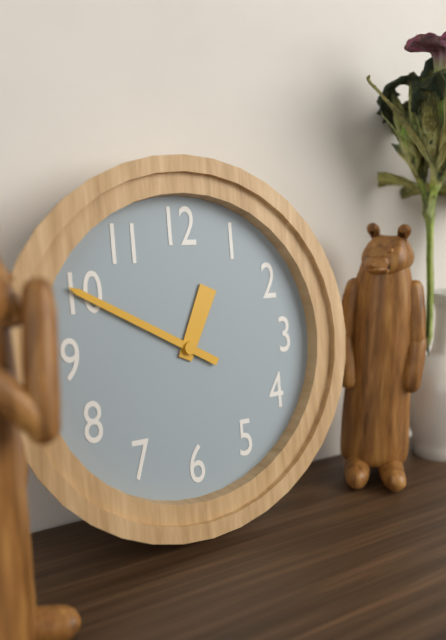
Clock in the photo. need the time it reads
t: 12:50
